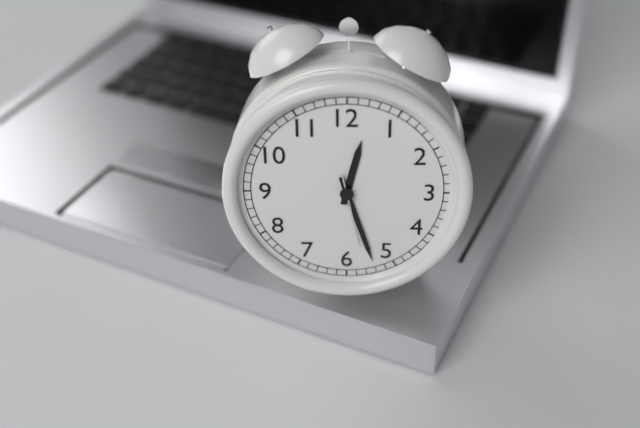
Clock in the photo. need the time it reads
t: 12:27:28
